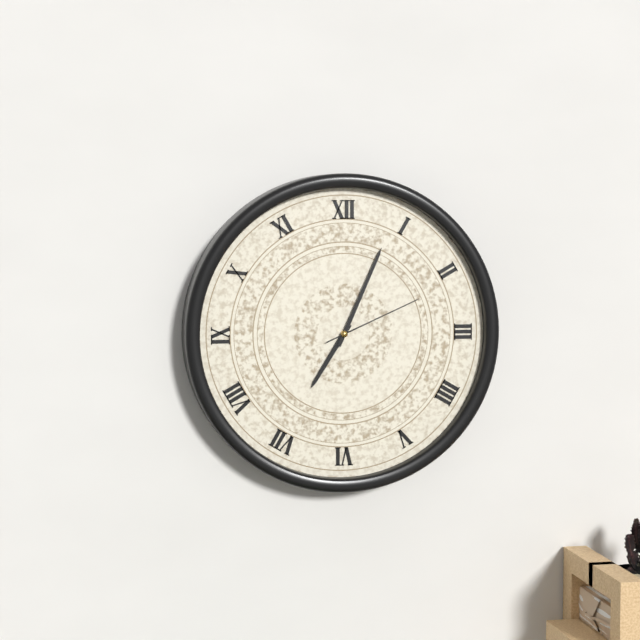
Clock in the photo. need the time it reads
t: 7:04:11
